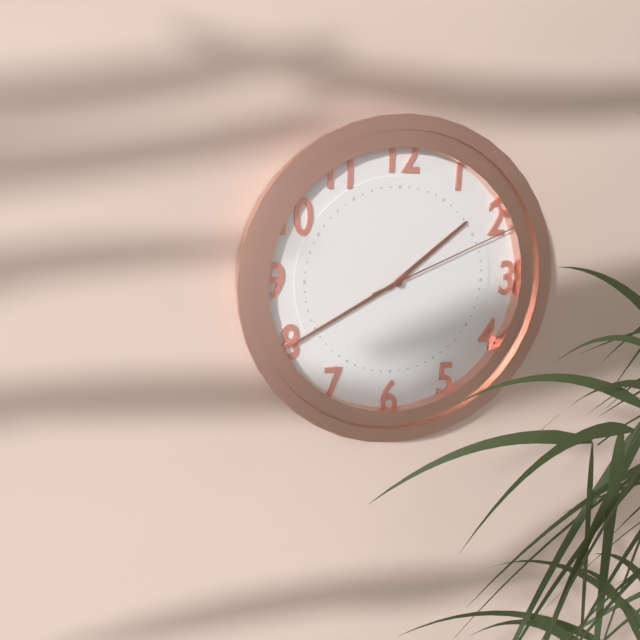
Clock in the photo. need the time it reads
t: 1:40:11
